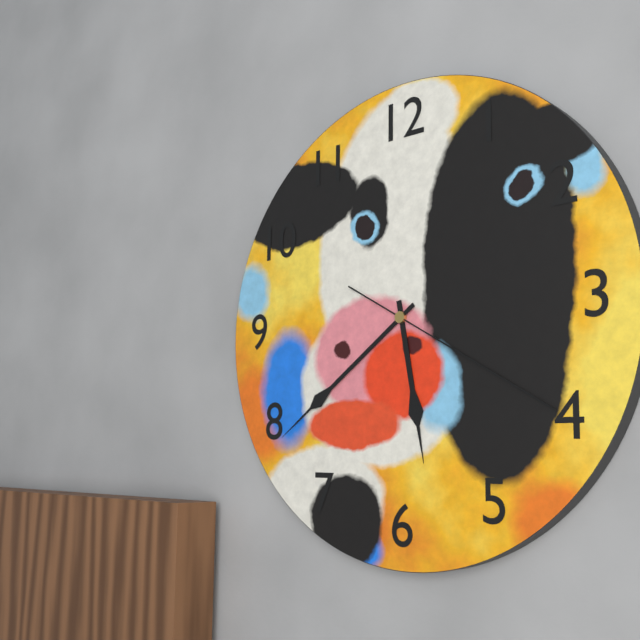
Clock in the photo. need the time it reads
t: 5:39:20
